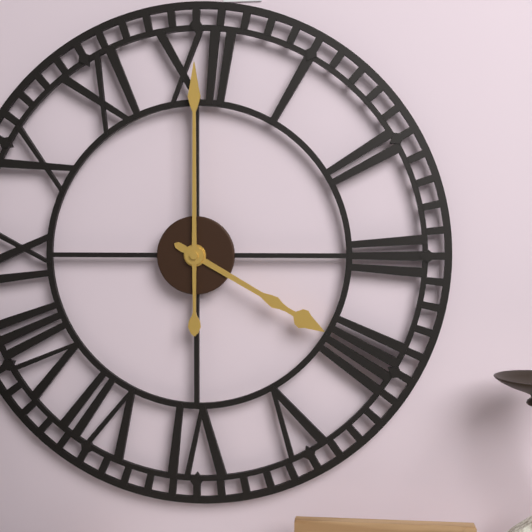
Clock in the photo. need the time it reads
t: 4:00
